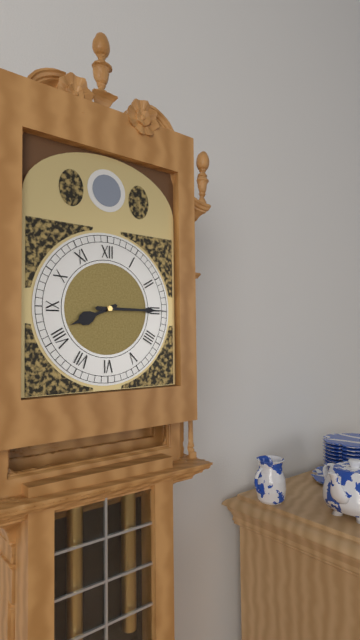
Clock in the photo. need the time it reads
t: 8:15
